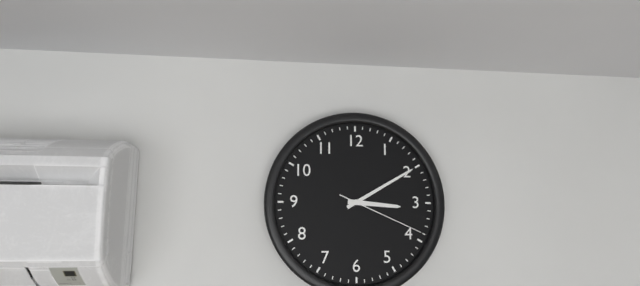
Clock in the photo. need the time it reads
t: 3:10:19
